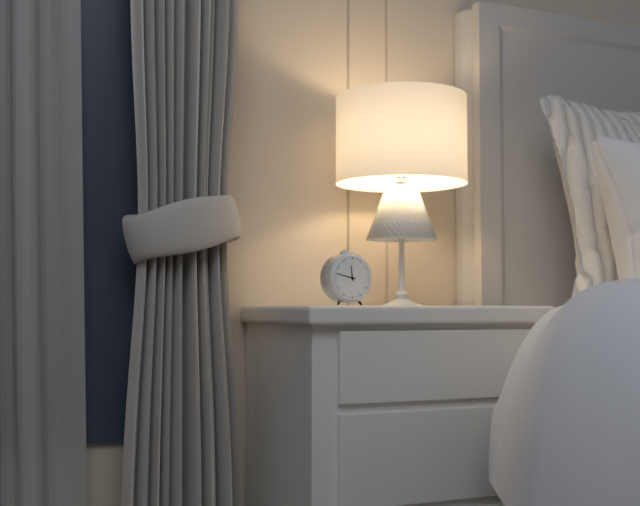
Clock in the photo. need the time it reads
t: 11:47
